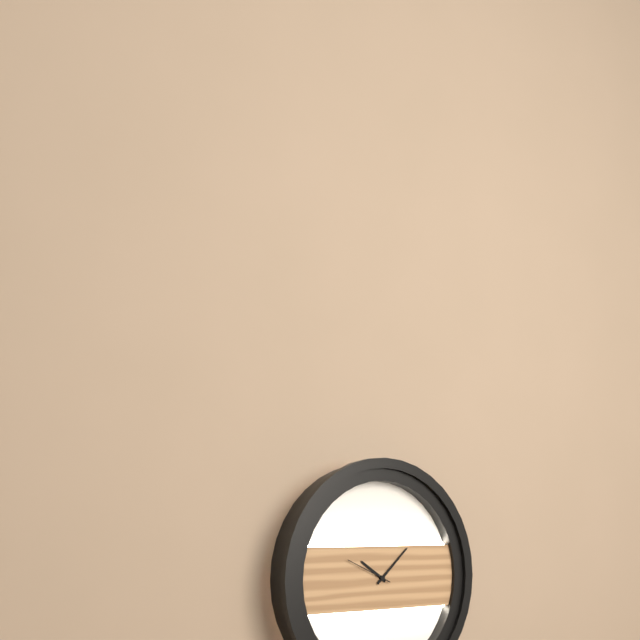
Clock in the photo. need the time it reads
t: 10:08
